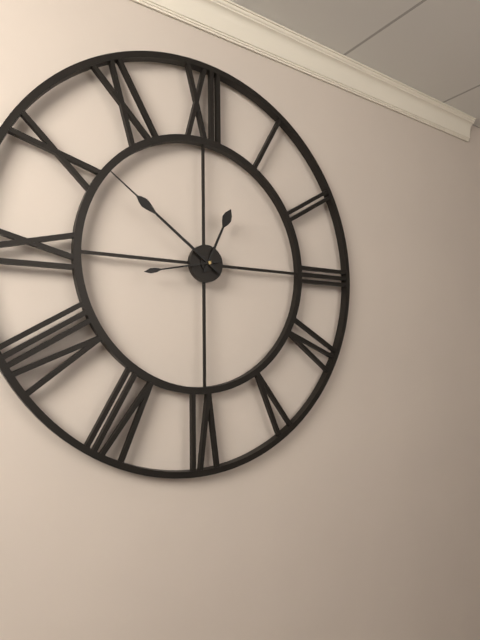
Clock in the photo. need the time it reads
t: 12:51:43
